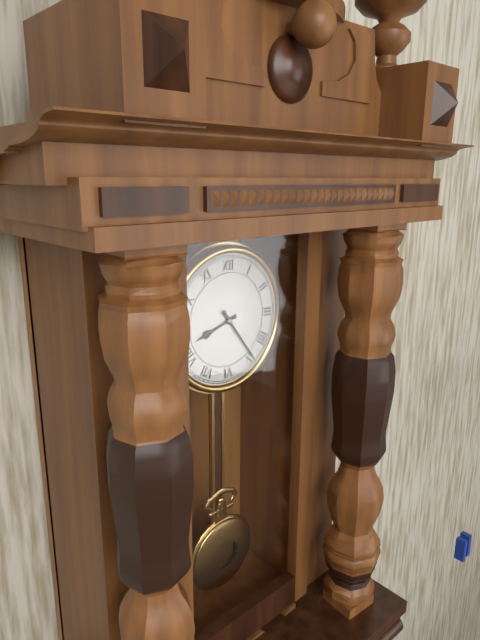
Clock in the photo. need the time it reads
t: 8:24
